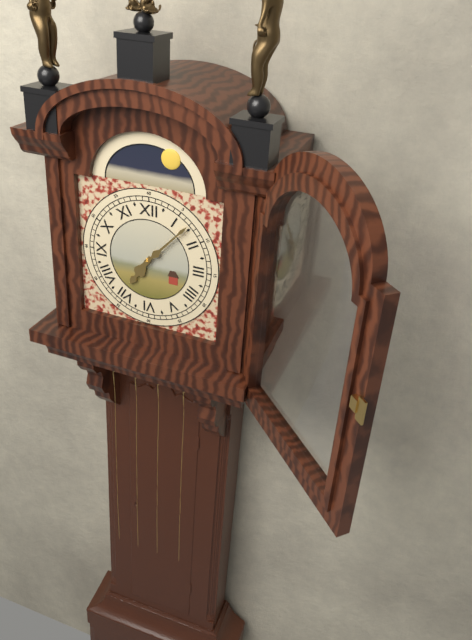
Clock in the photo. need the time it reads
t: 7:07
